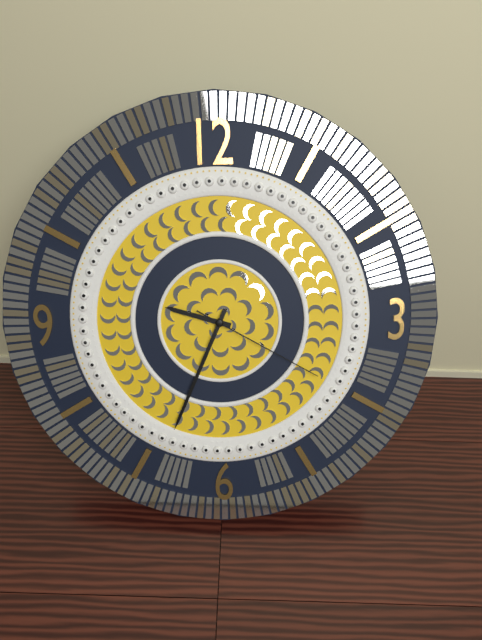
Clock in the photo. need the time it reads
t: 9:34:20
